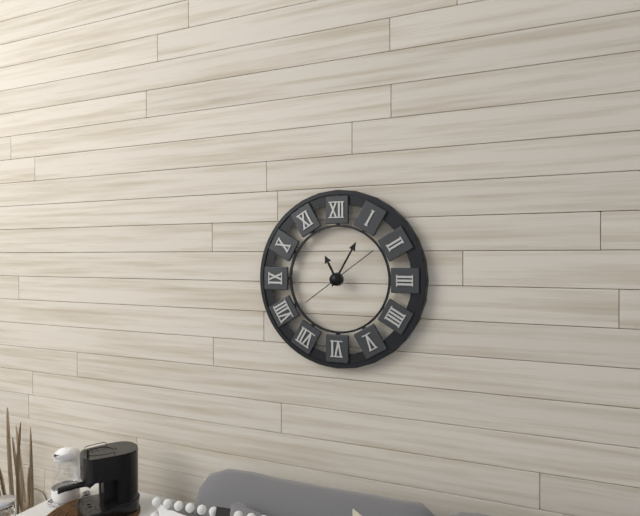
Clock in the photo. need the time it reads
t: 11:05:09
